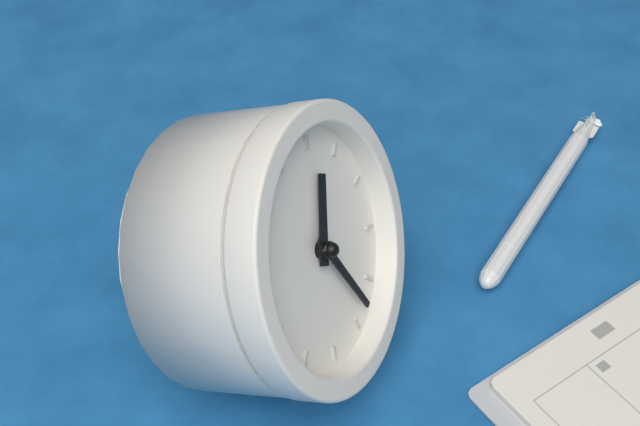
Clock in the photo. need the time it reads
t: 12:23
